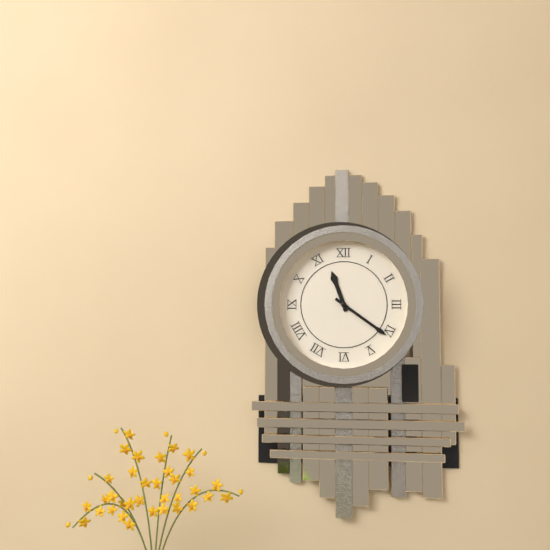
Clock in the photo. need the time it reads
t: 11:21
